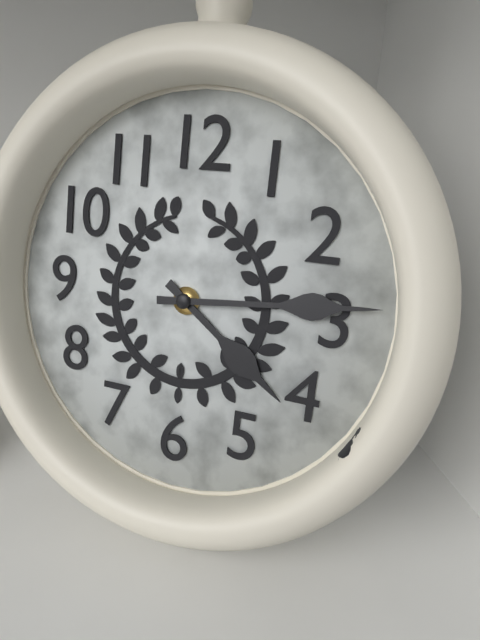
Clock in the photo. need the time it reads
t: 4:14
